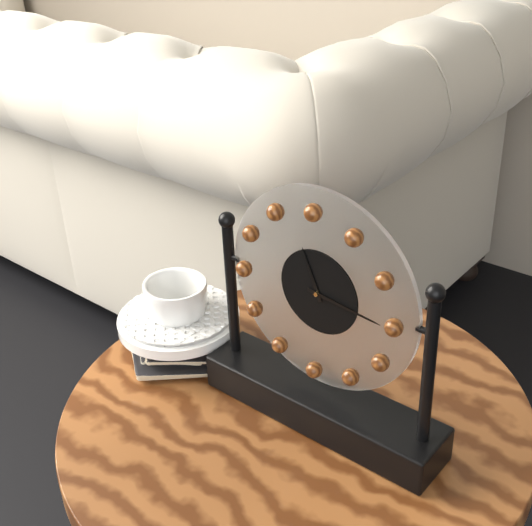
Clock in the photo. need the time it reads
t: 11:16
